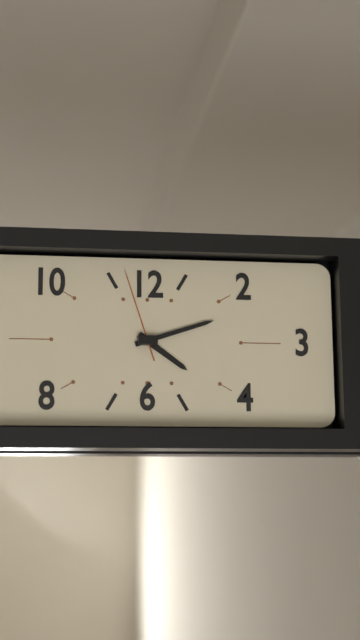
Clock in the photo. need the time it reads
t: 4:12:57
